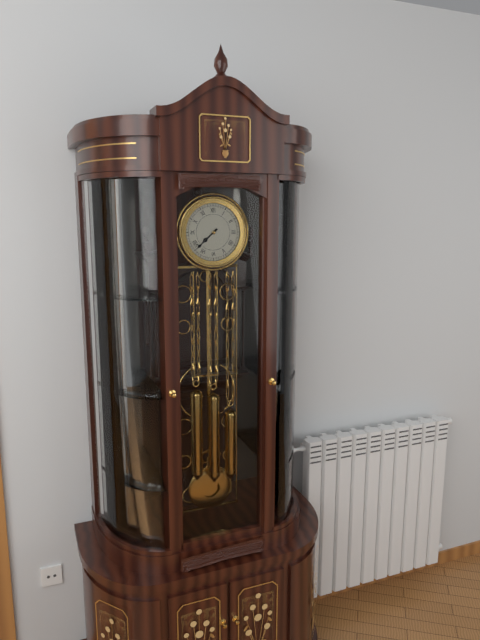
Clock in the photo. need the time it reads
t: 7:38
